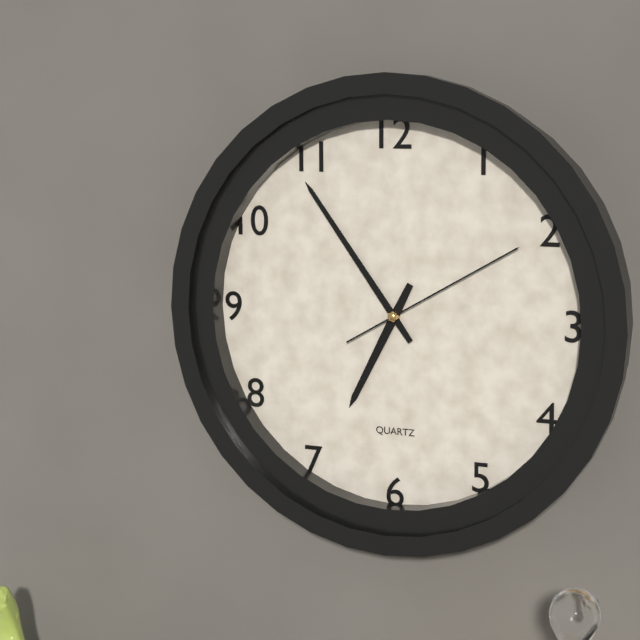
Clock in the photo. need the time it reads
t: 6:54:10
